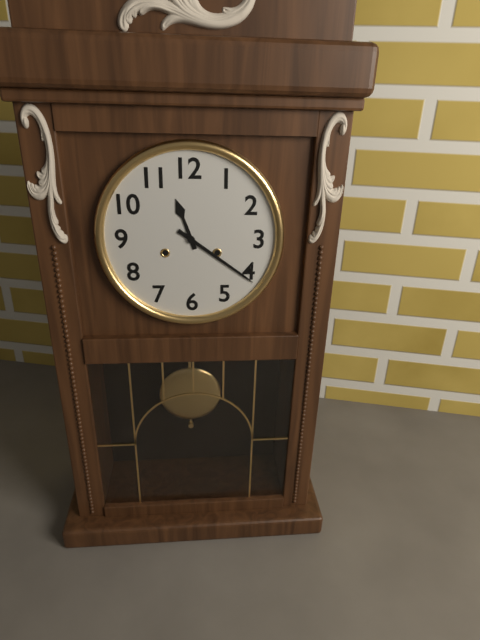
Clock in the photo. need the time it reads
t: 11:21
